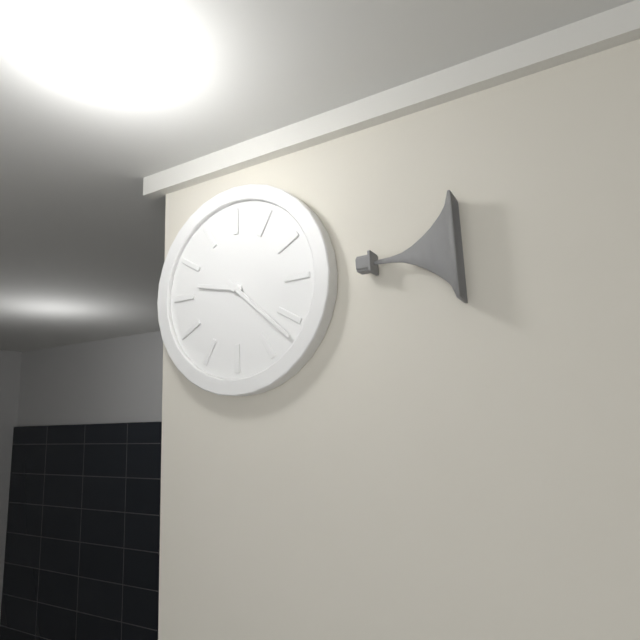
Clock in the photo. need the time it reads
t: 9:22
